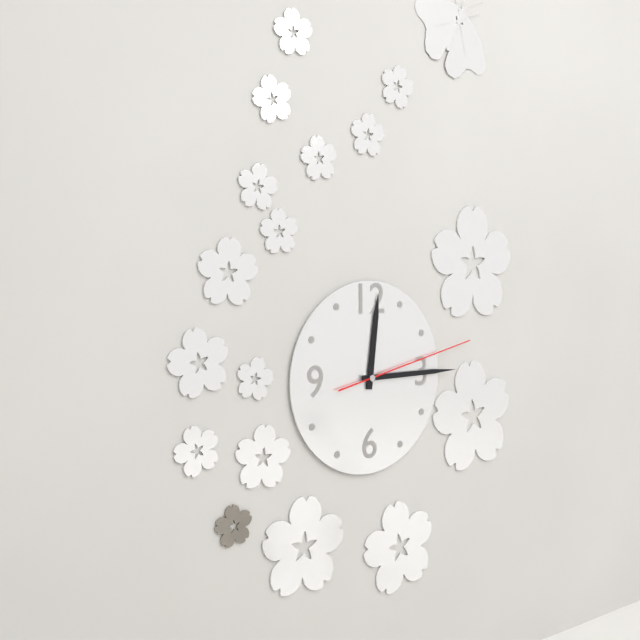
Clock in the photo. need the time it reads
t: 12:15:13
